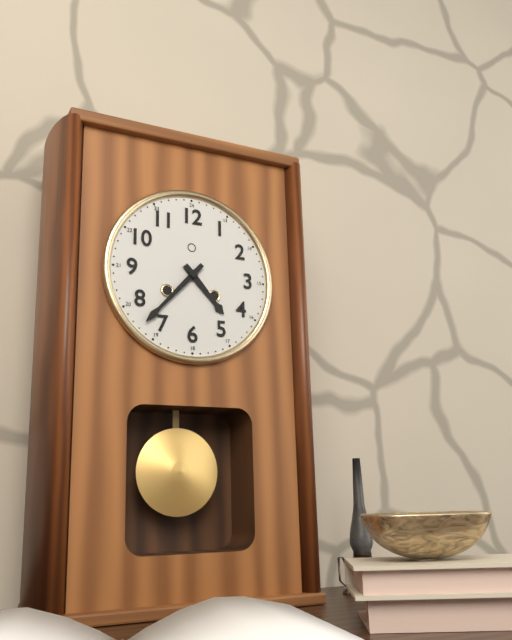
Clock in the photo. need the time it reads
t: 4:37
